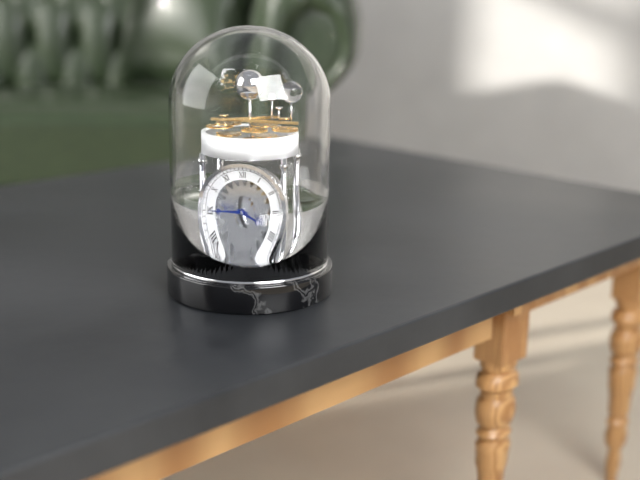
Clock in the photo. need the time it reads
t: 3:45
